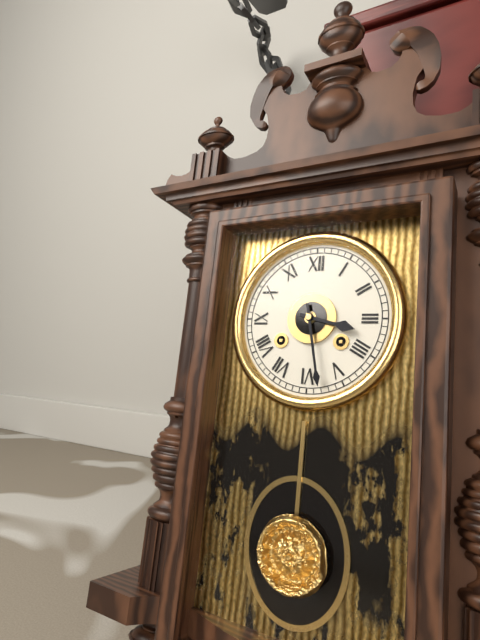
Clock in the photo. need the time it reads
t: 3:28
